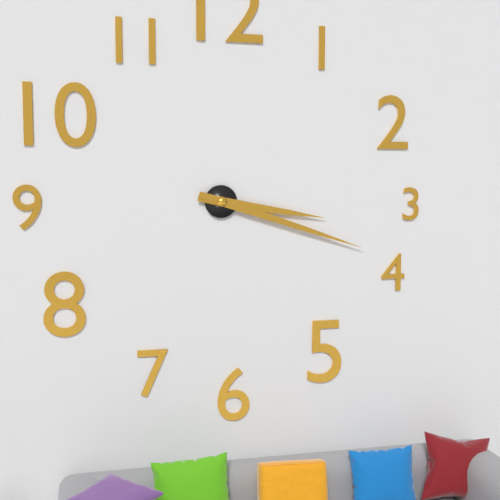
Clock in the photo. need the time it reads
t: 3:18
